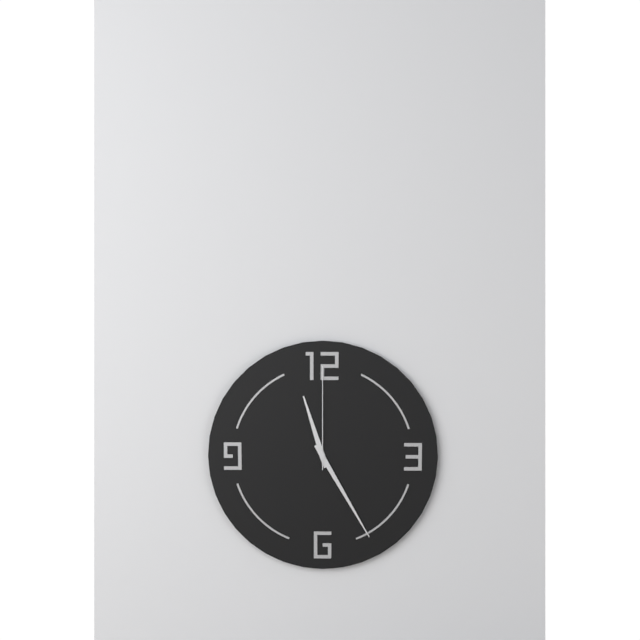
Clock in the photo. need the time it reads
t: 11:25:00
